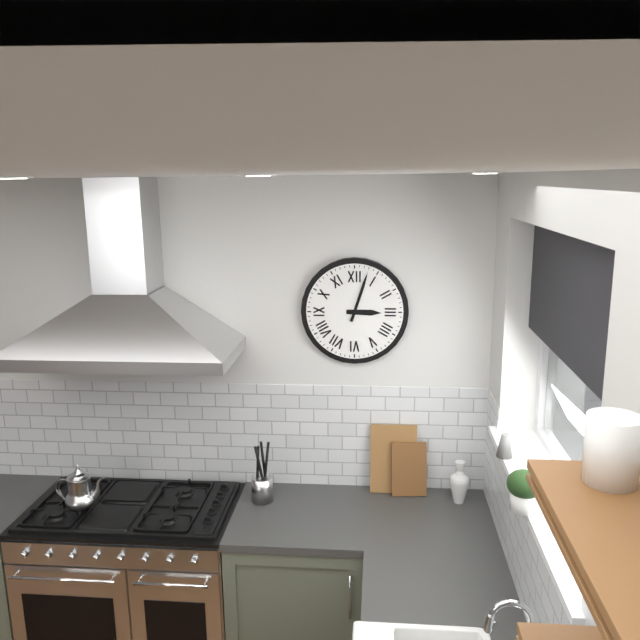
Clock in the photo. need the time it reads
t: 3:03
